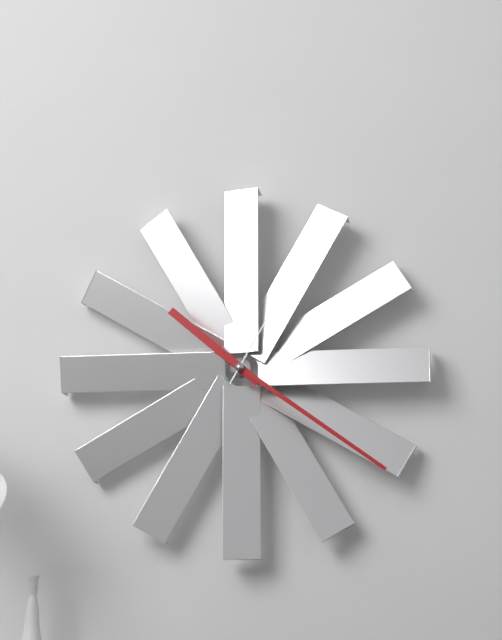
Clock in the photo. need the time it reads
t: 10:21:05
